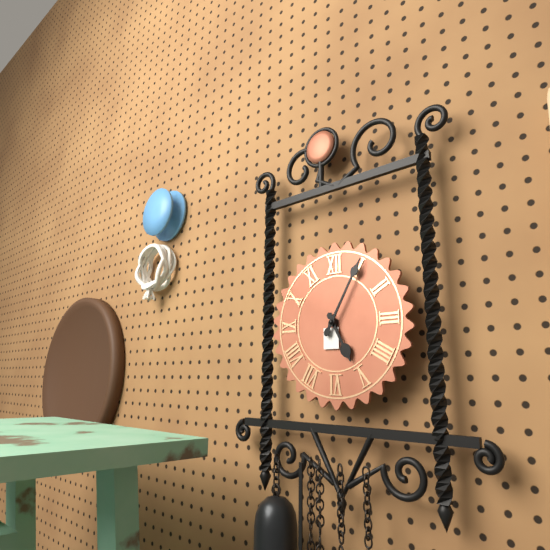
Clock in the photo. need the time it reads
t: 5:05
